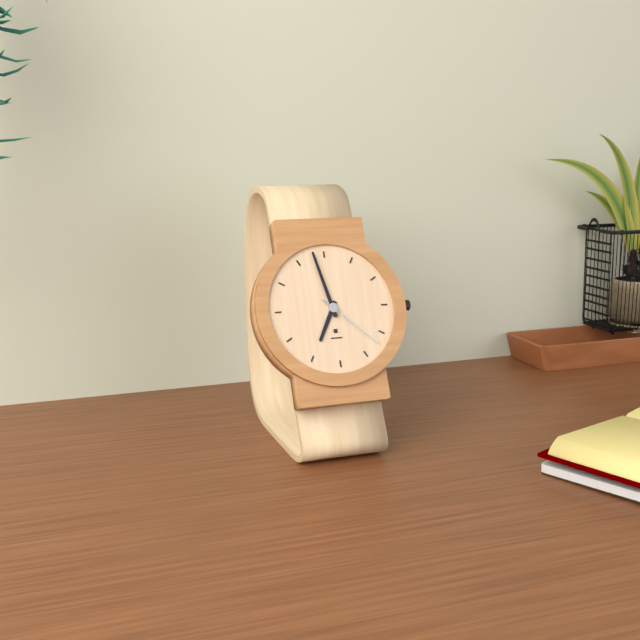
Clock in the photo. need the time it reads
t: 6:58:22
